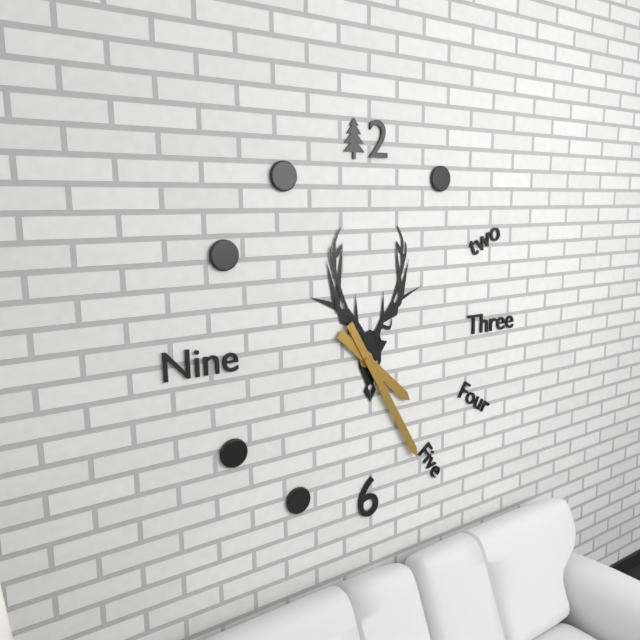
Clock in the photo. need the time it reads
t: 4:25
